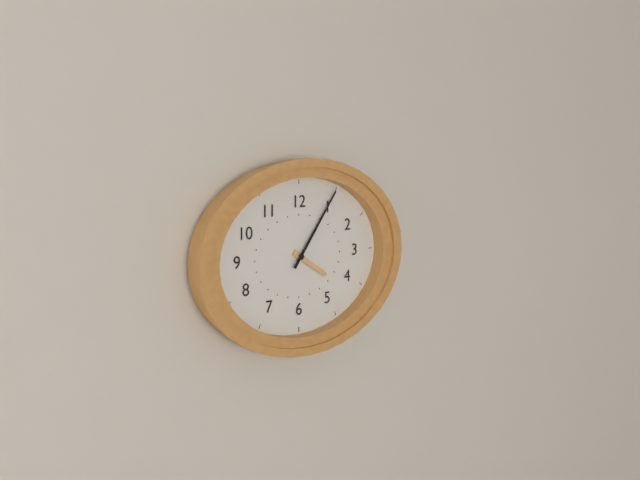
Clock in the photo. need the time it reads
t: 4:06
